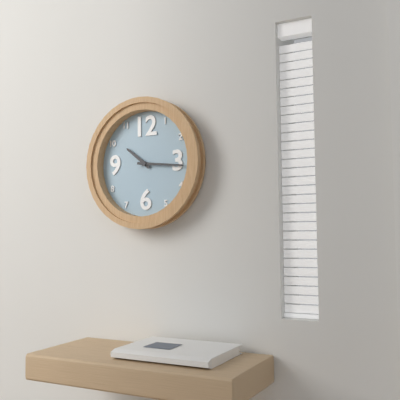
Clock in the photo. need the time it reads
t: 10:16
